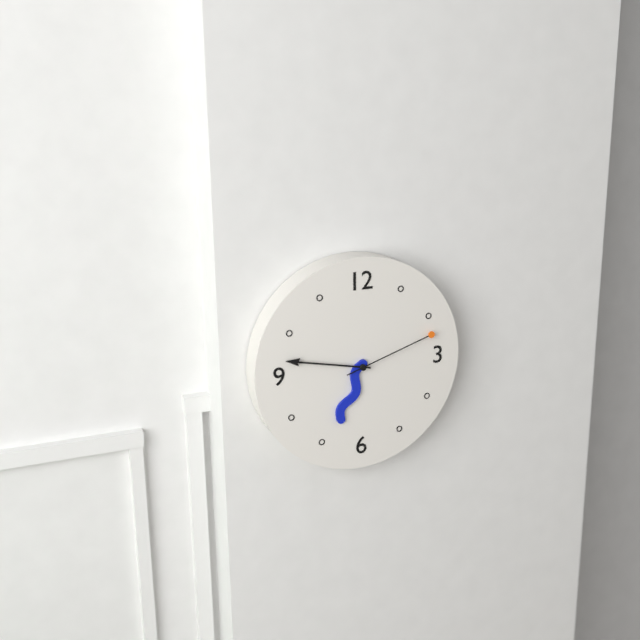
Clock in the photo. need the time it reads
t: 6:47:12
